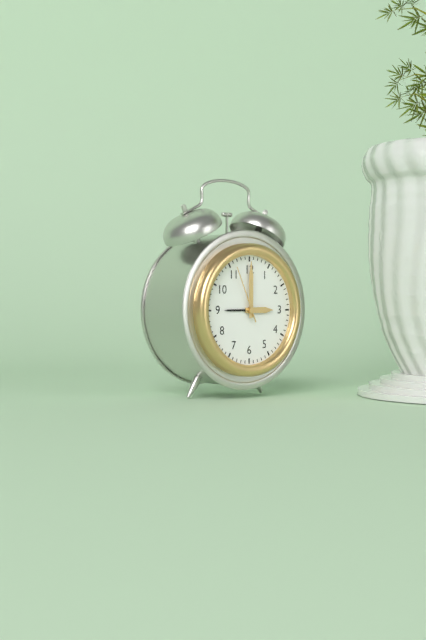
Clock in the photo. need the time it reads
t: 3:00:56
